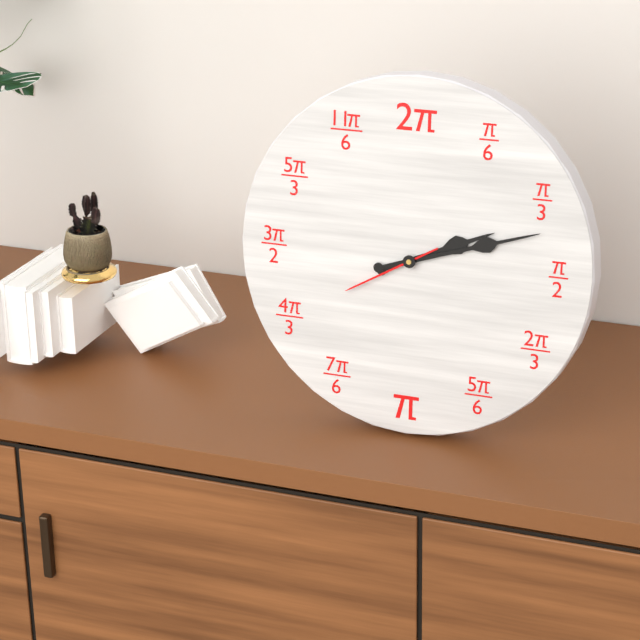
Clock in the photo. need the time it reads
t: 2:12:40
